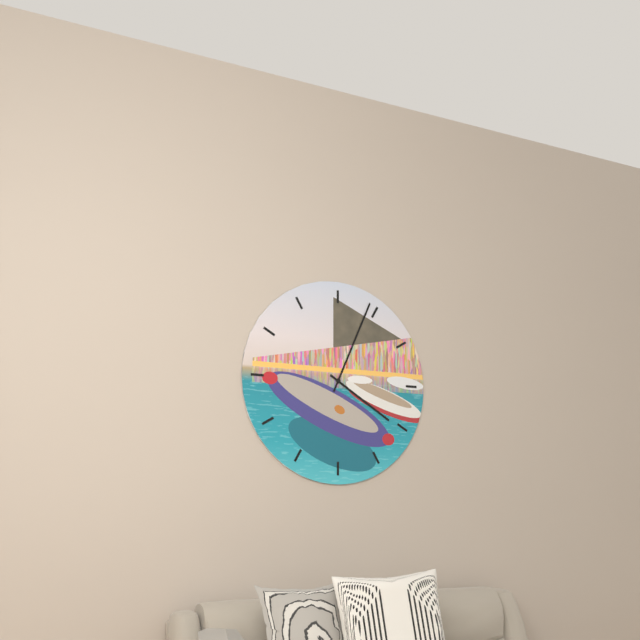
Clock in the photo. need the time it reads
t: 4:04
